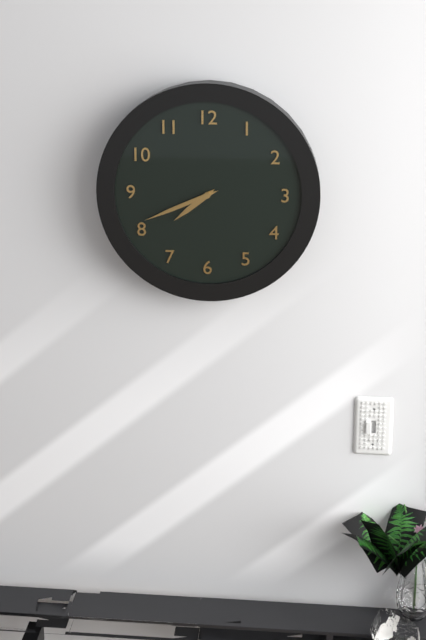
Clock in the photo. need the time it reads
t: 7:41
